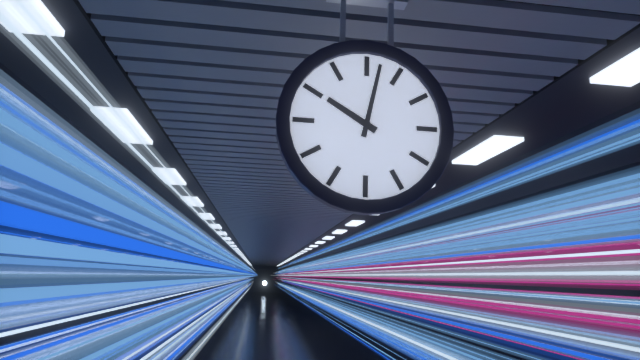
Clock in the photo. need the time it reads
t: 10:02
